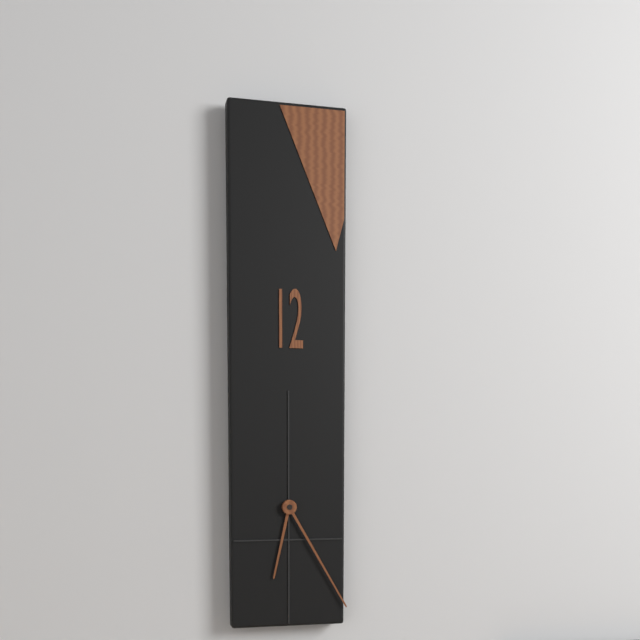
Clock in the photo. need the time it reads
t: 6:25
